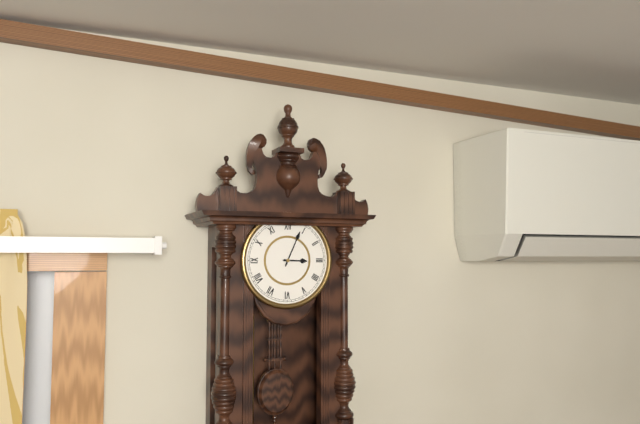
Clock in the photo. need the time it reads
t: 3:04
